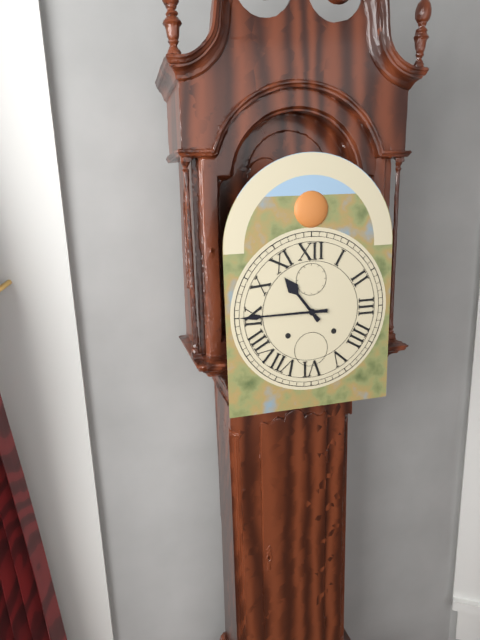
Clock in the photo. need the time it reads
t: 10:45
